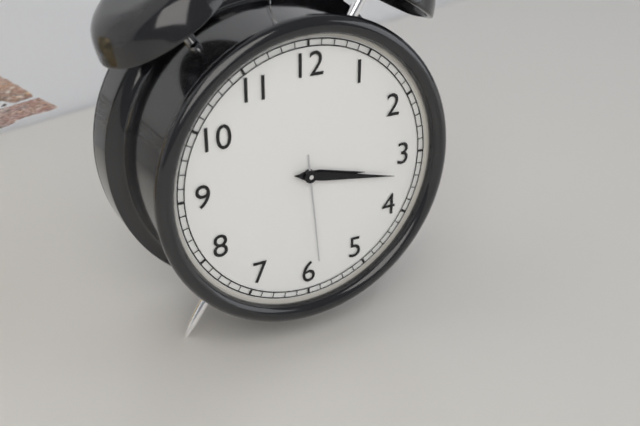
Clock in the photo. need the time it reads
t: 3:17:29
